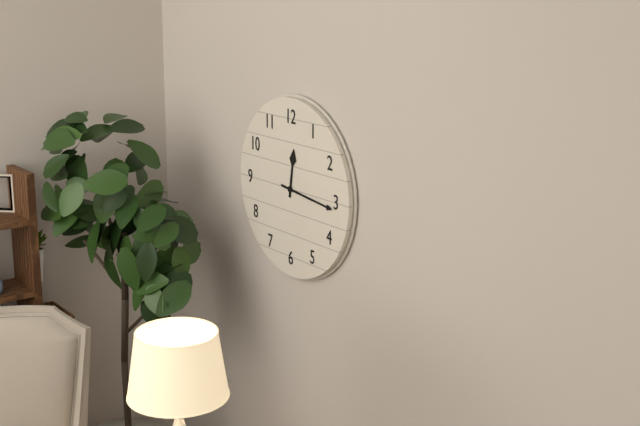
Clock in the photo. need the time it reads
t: 12:16
